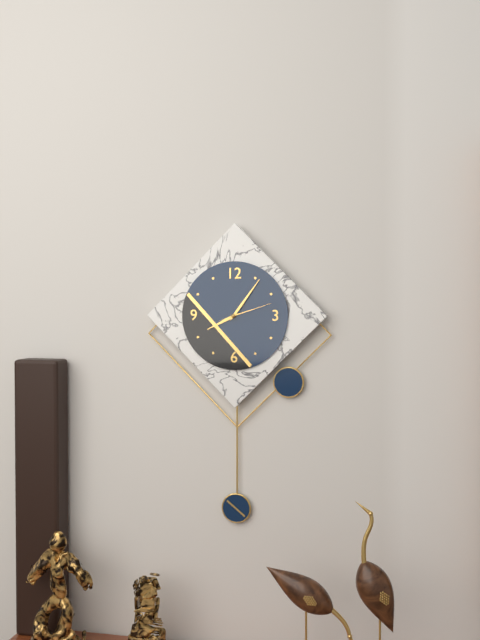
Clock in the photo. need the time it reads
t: 8:06:12
